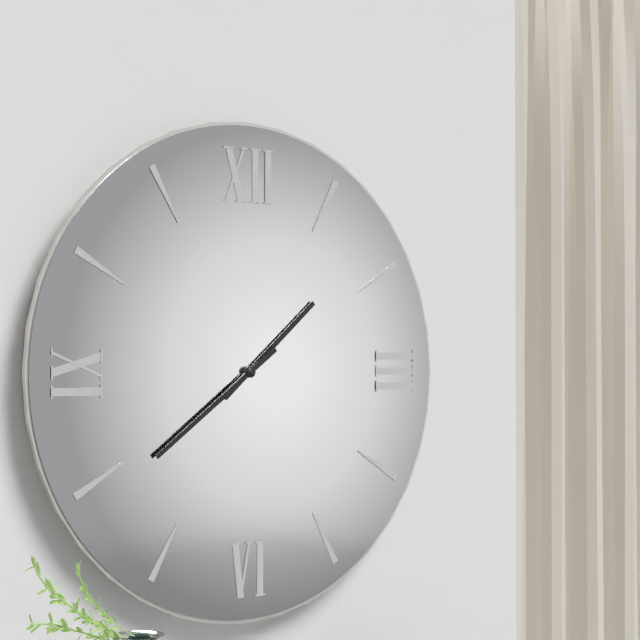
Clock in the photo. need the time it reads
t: 1:39
